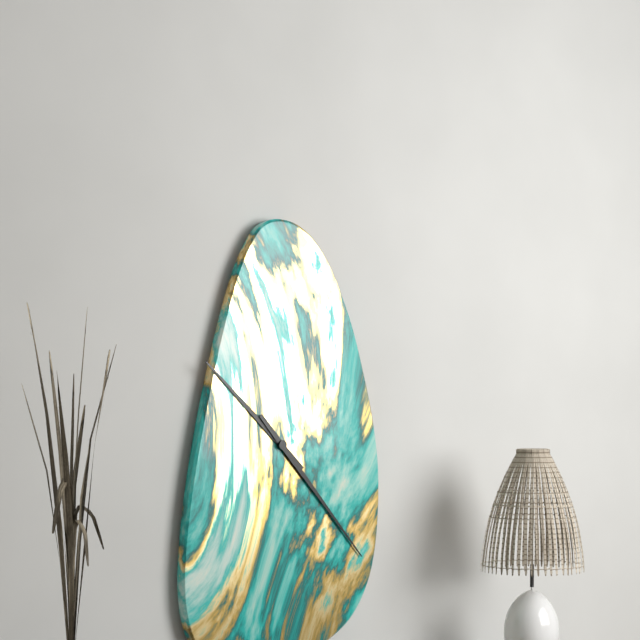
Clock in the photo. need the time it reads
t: 10:23
